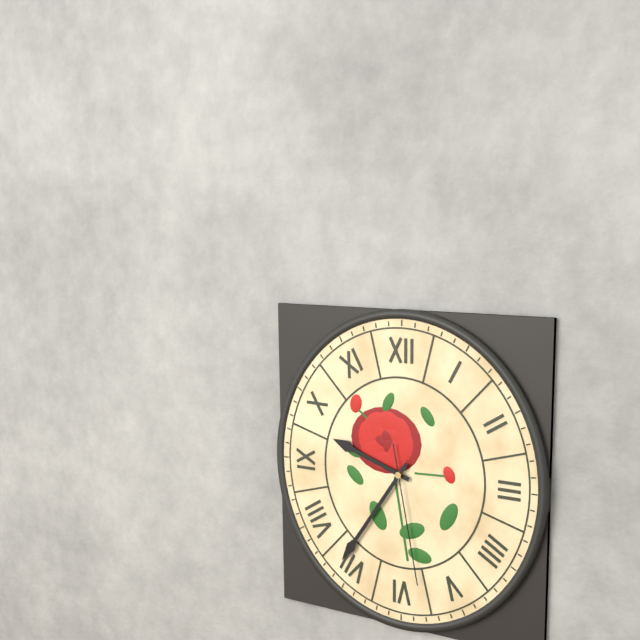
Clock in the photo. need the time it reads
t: 9:36:28
